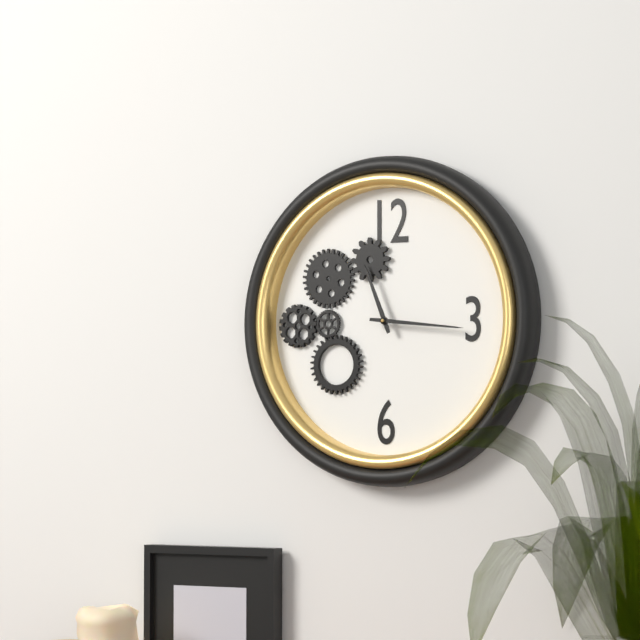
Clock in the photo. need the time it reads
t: 11:16
